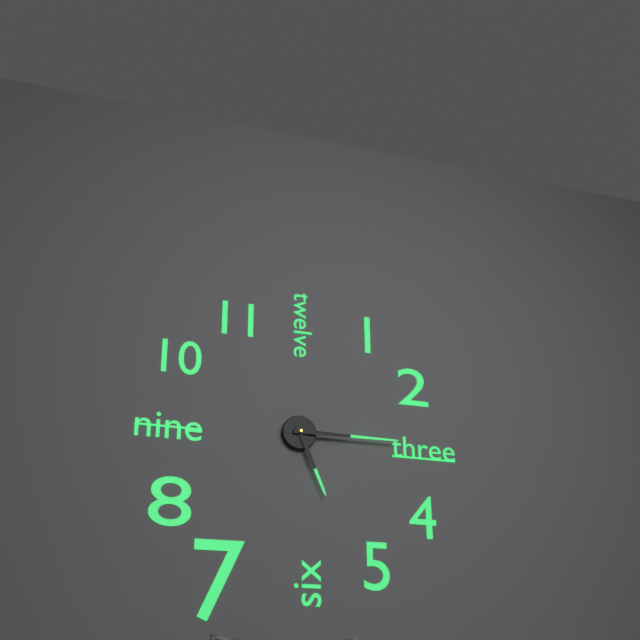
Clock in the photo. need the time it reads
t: 5:15
